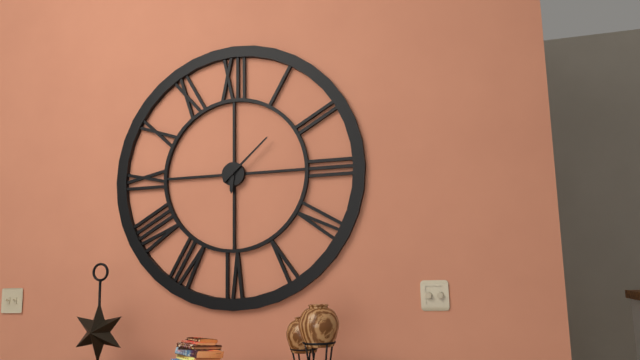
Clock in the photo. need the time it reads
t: 6:08
